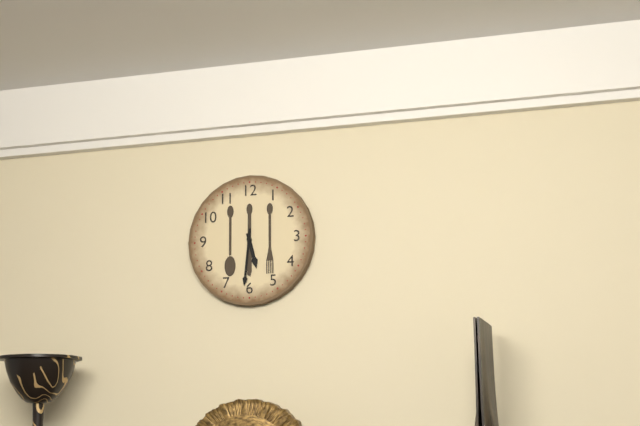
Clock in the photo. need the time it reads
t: 5:31
